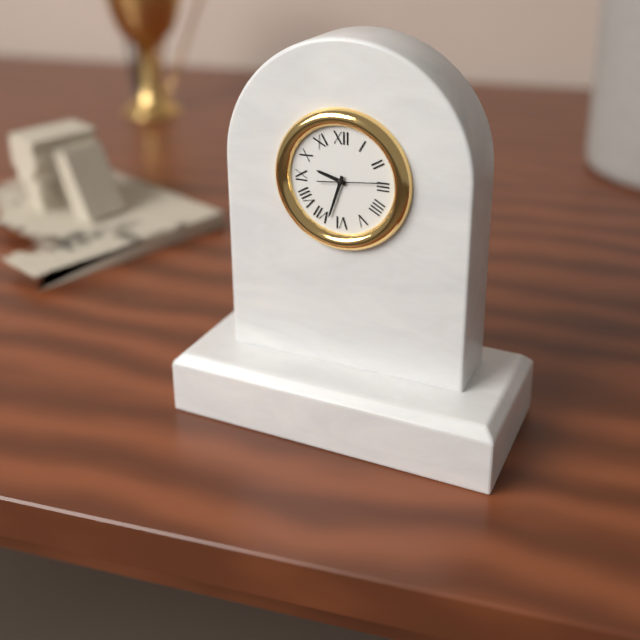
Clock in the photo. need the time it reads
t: 9:33:14
